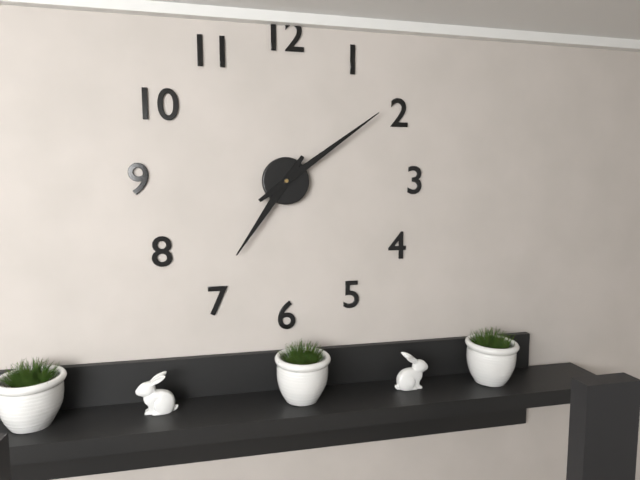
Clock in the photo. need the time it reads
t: 7:09
